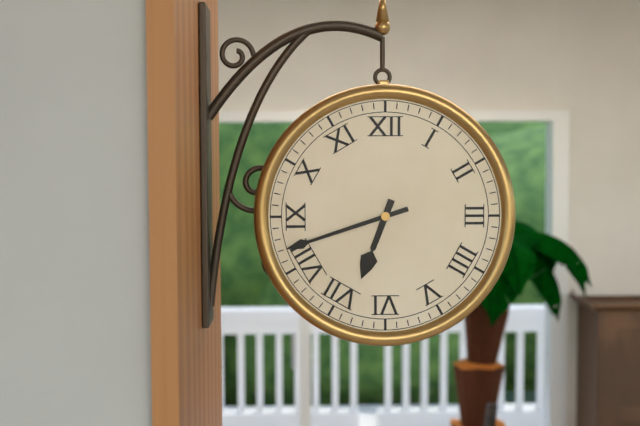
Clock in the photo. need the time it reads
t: 6:42
